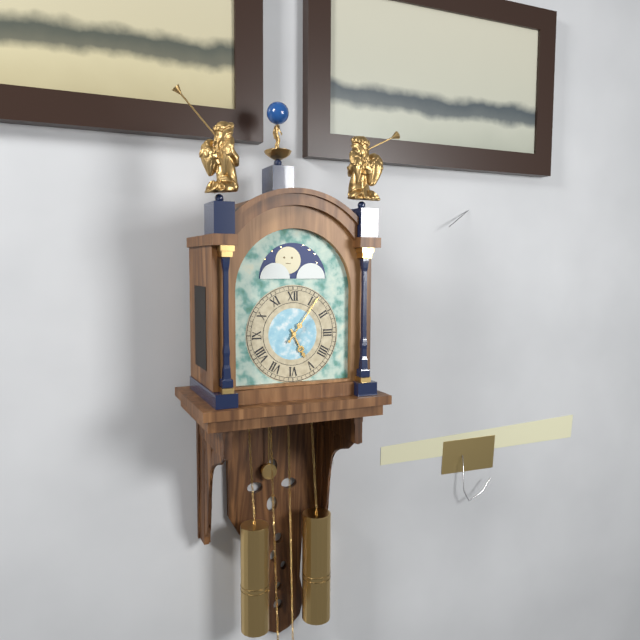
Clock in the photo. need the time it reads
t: 5:06
